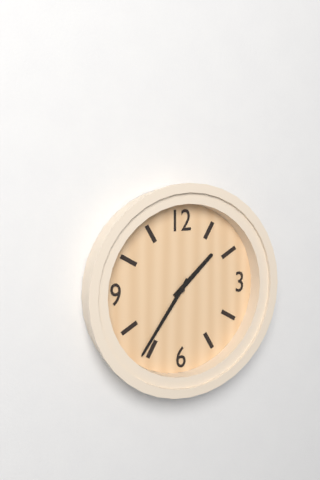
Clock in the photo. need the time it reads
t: 1:36
